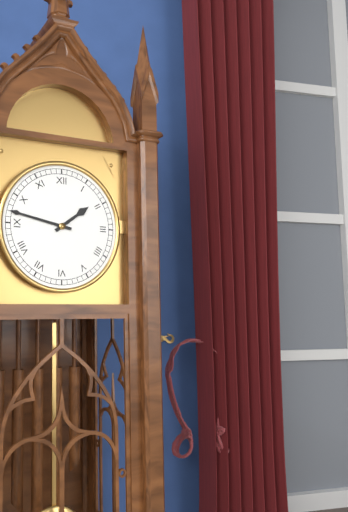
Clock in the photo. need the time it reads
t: 1:47
